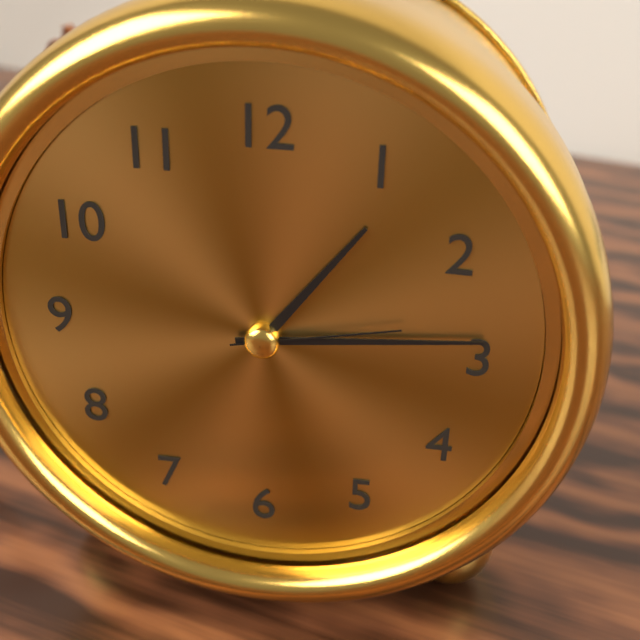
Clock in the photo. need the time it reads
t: 1:14:13
